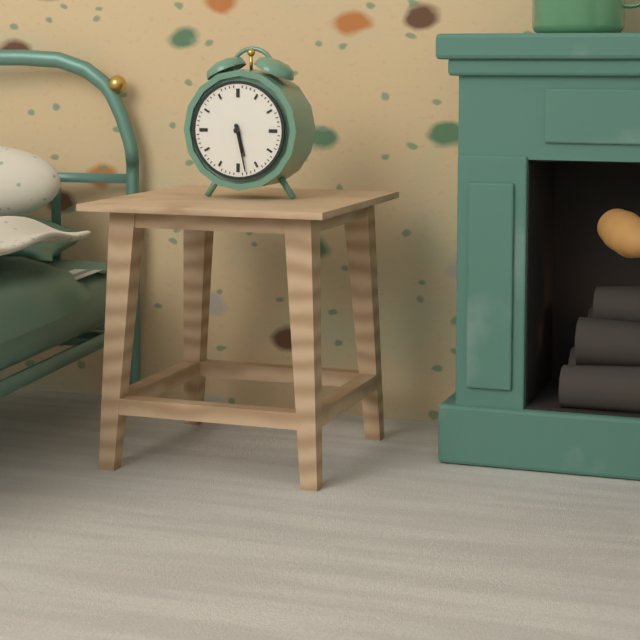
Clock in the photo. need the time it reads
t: 5:28
